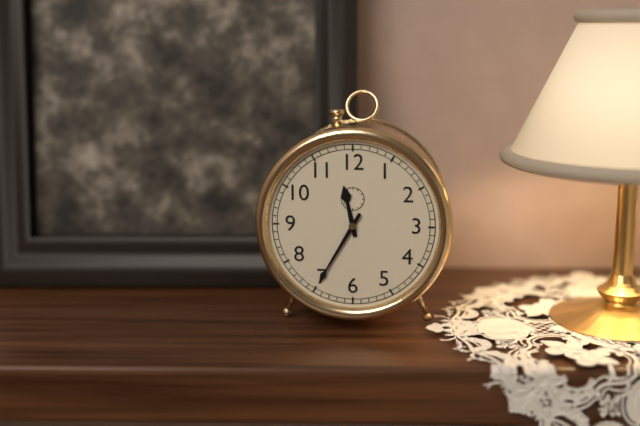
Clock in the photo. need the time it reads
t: 11:35
